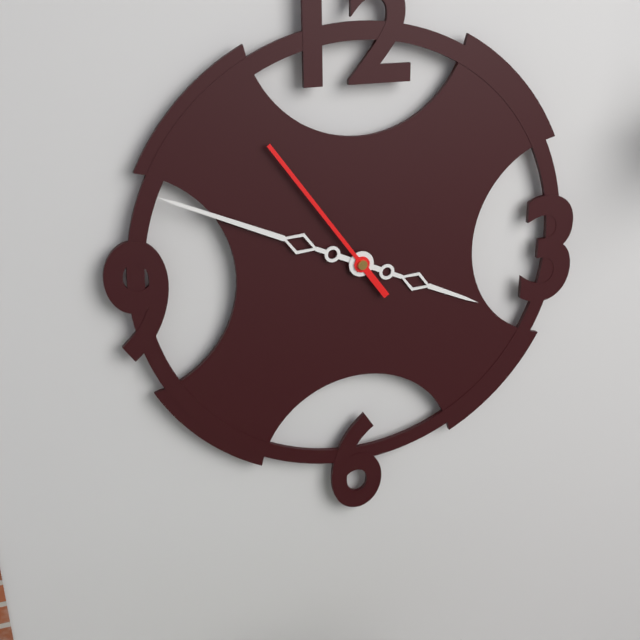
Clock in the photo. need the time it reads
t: 3:49:54
